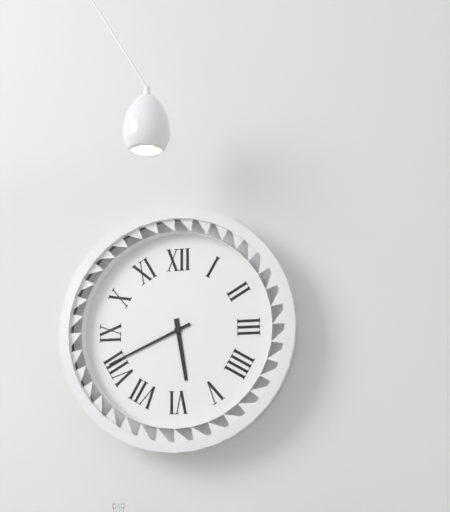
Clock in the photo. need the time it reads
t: 5:41
